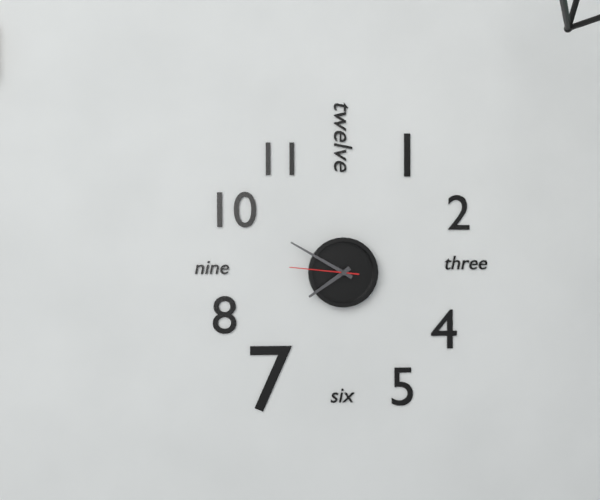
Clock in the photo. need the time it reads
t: 7:50:46
